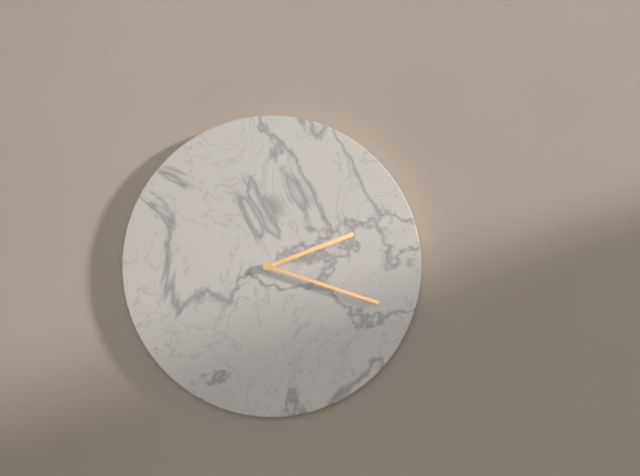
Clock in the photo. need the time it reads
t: 2:18
